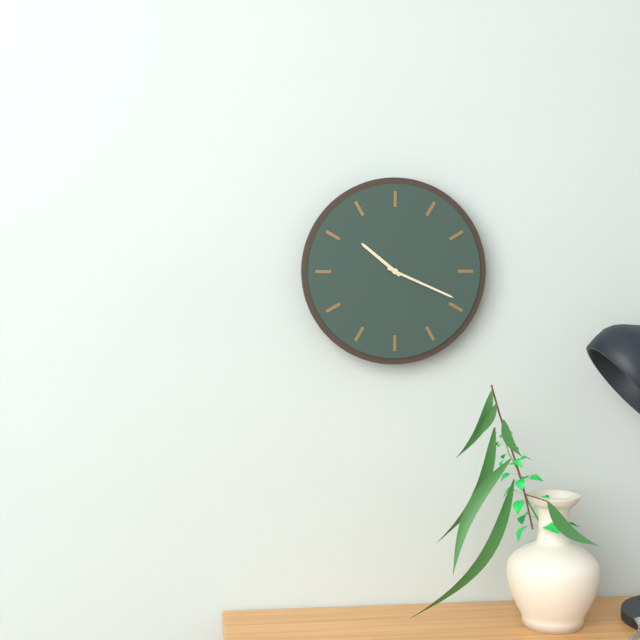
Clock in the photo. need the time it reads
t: 10:19
